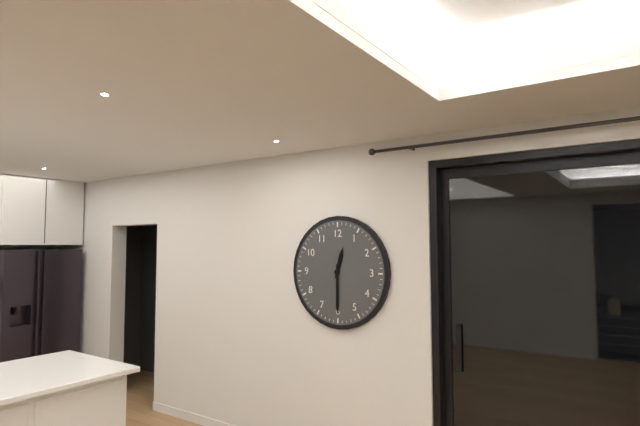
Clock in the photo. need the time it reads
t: 12:30
